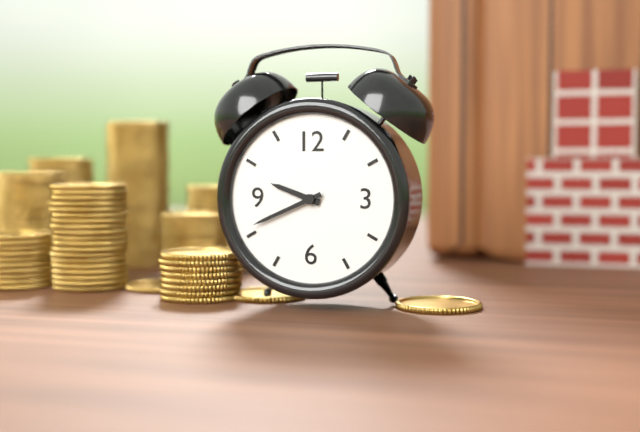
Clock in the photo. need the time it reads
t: 9:41
